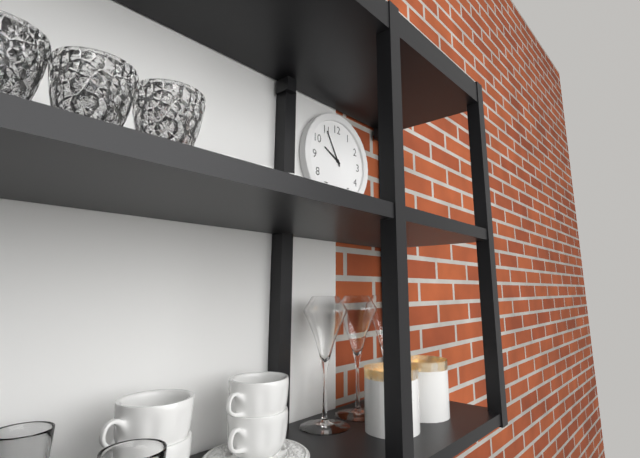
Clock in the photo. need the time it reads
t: 9:55
